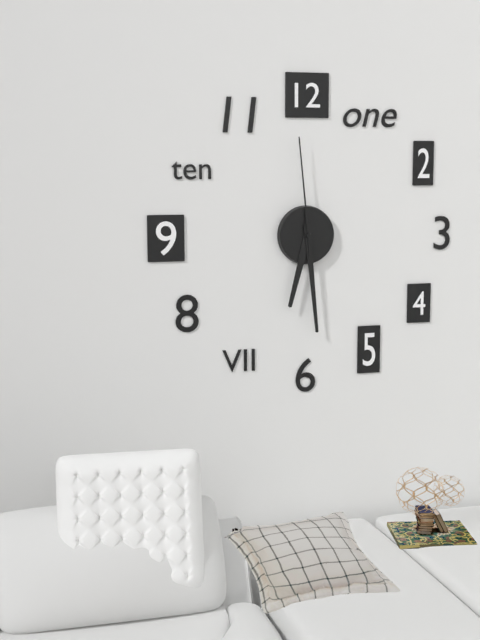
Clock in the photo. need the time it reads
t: 6:29:59
